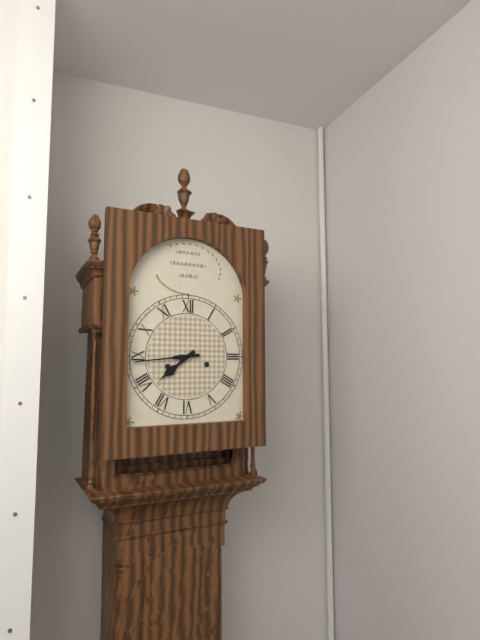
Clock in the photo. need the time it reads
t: 7:44
